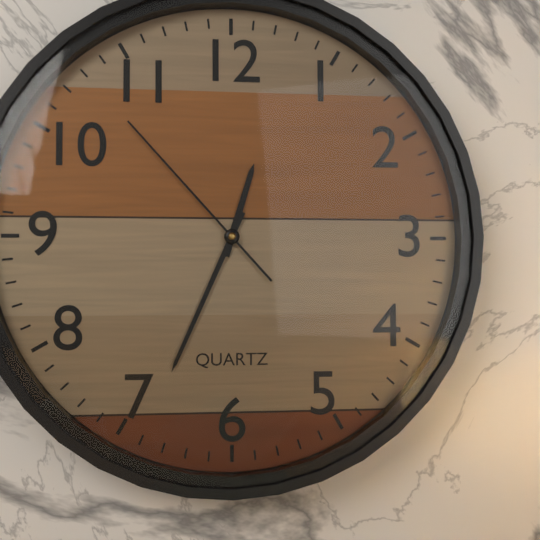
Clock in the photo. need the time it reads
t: 12:34:53
